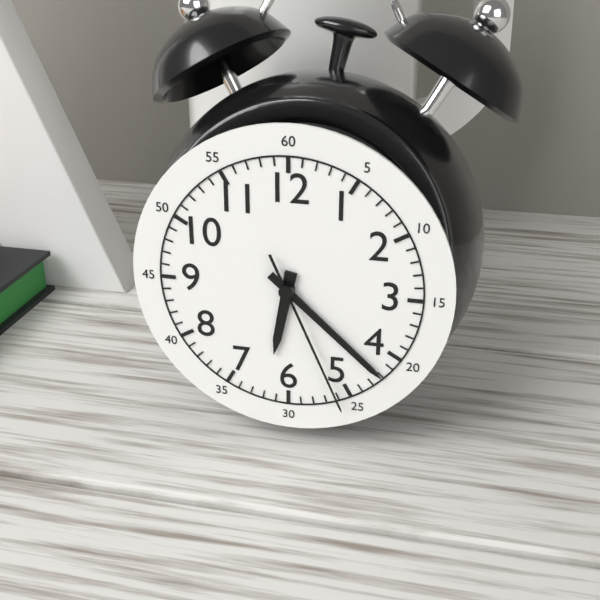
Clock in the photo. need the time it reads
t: 6:22:26
